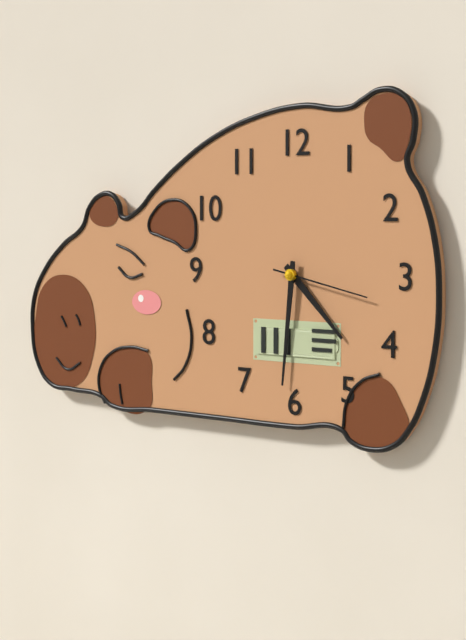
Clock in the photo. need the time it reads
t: 4:31:17
